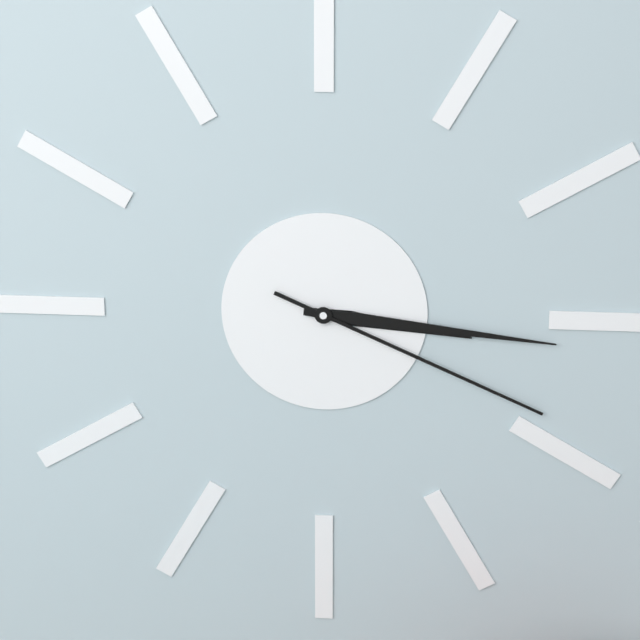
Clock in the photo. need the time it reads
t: 3:16:19
